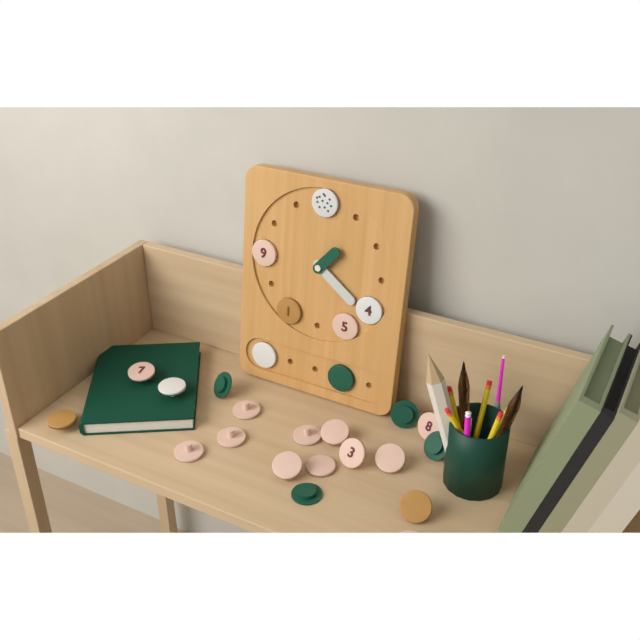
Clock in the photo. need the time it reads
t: 1:21
